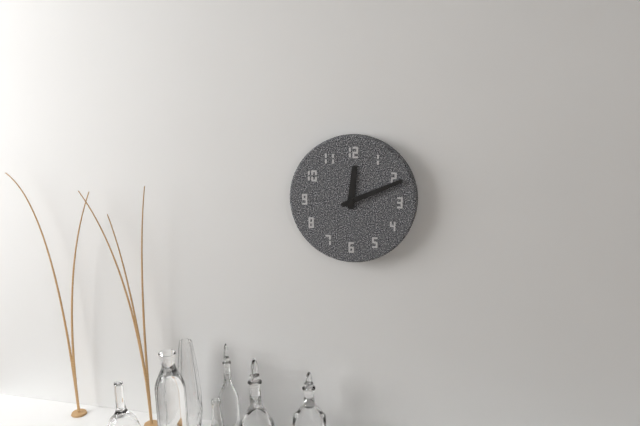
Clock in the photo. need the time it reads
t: 12:11
